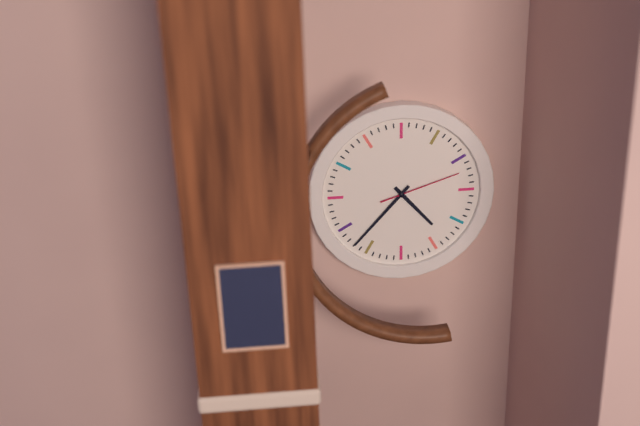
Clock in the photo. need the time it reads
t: 4:37:12
